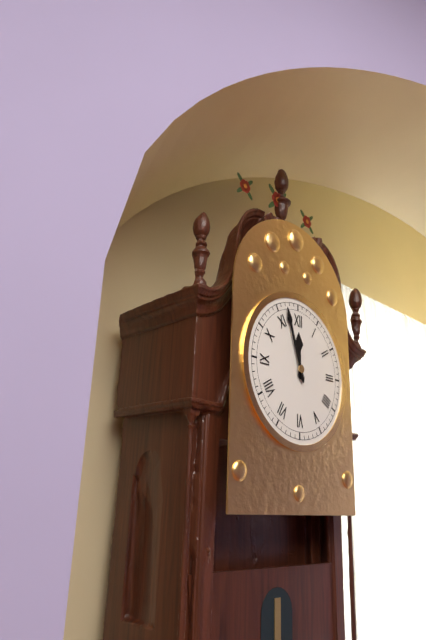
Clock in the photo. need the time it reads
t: 11:57
